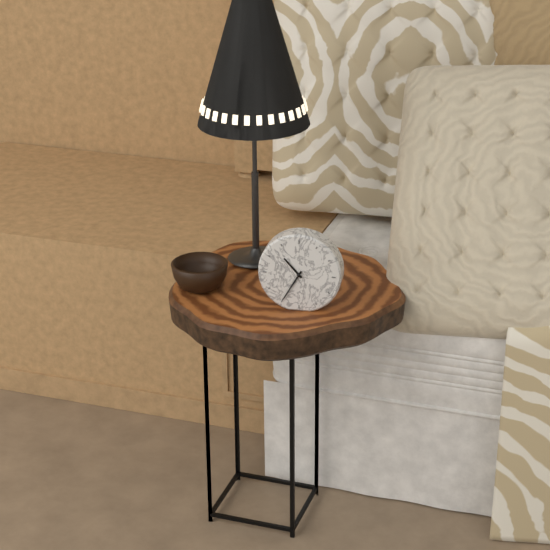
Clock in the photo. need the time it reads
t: 10:35
